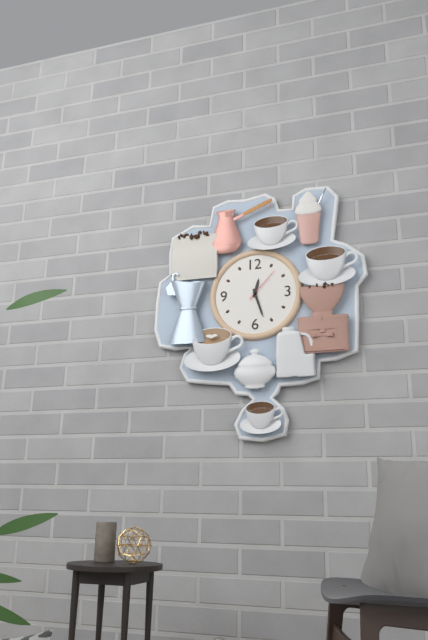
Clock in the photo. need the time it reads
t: 12:27
